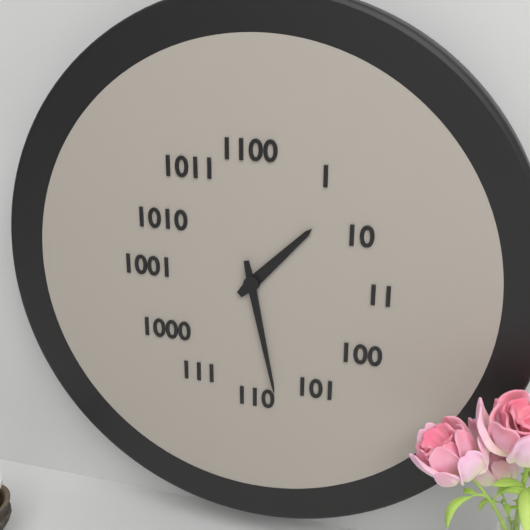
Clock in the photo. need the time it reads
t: 1:28
